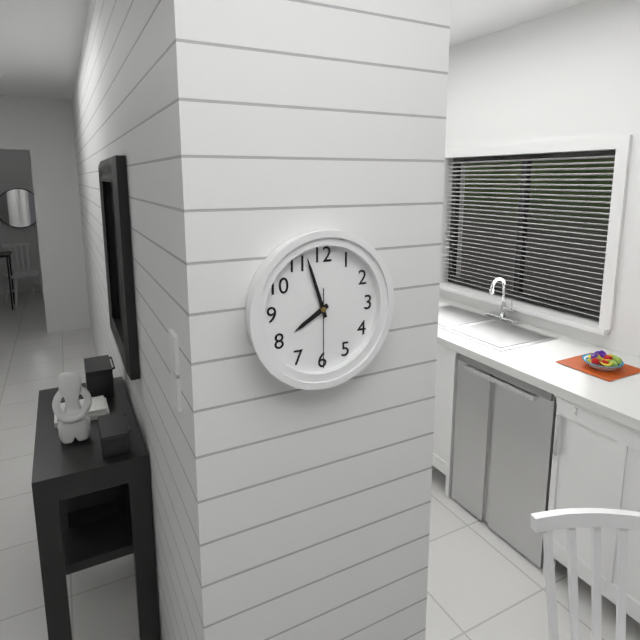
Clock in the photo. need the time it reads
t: 7:57:30
